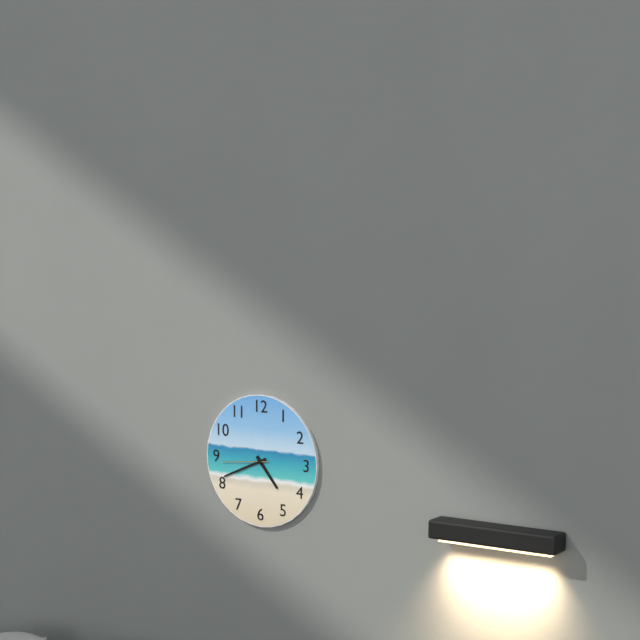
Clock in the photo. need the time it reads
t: 4:41:44
